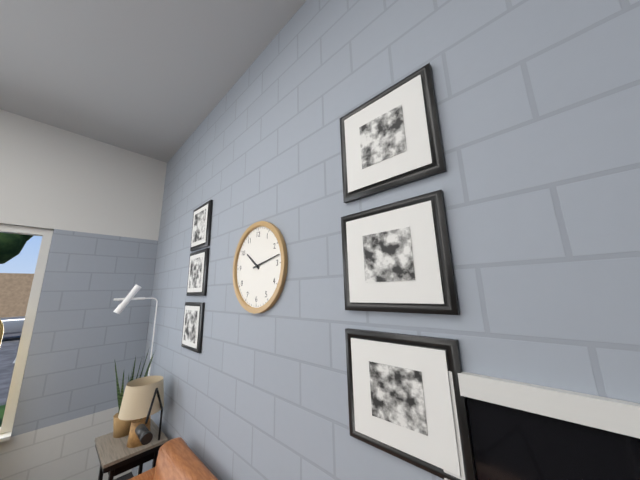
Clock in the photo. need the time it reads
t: 10:13
